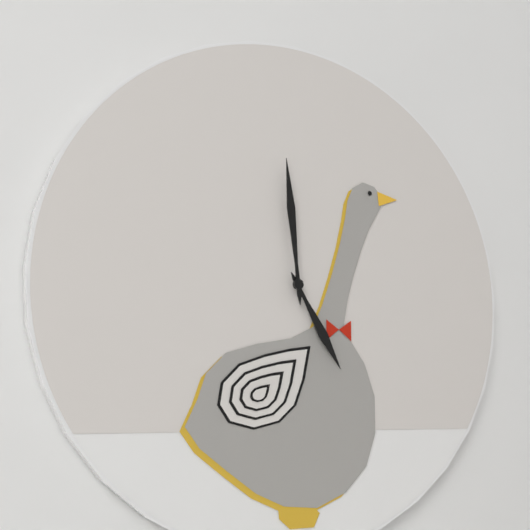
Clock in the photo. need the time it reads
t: 4:59
